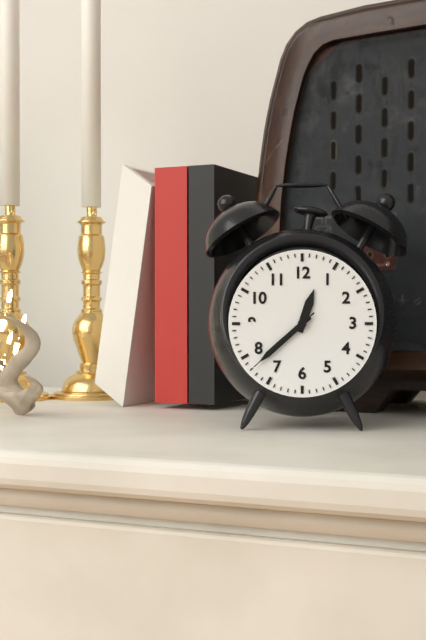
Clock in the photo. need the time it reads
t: 12:38:38
